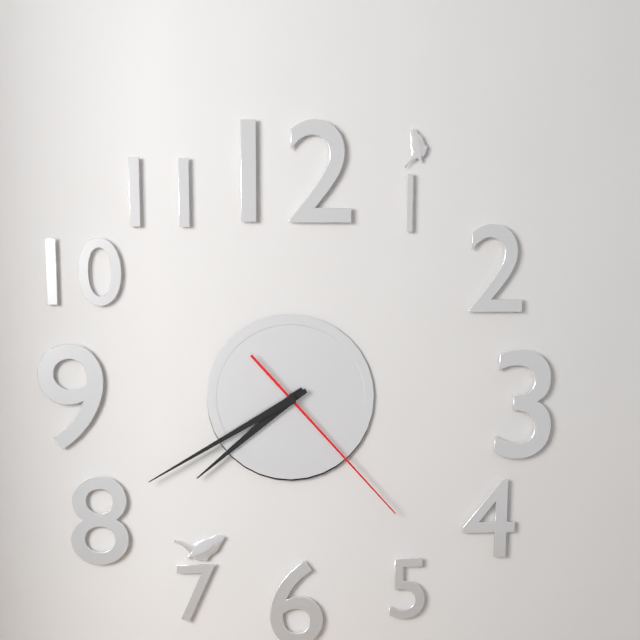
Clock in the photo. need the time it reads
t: 7:40:23
